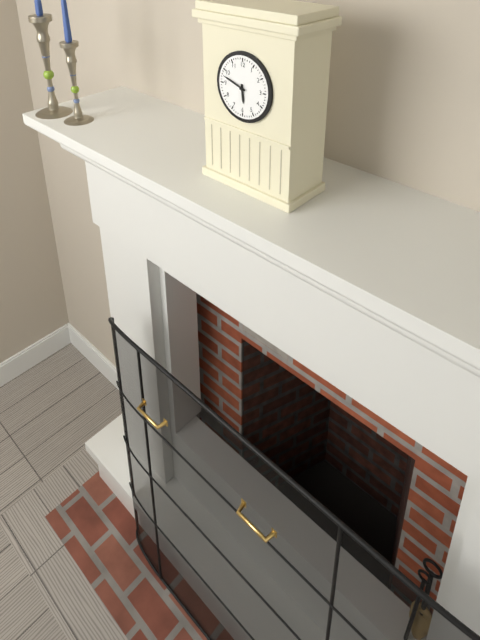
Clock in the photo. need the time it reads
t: 5:48
